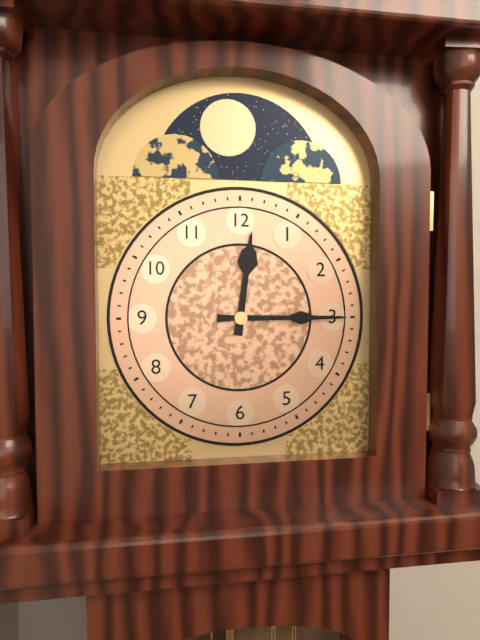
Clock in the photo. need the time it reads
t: 12:15
